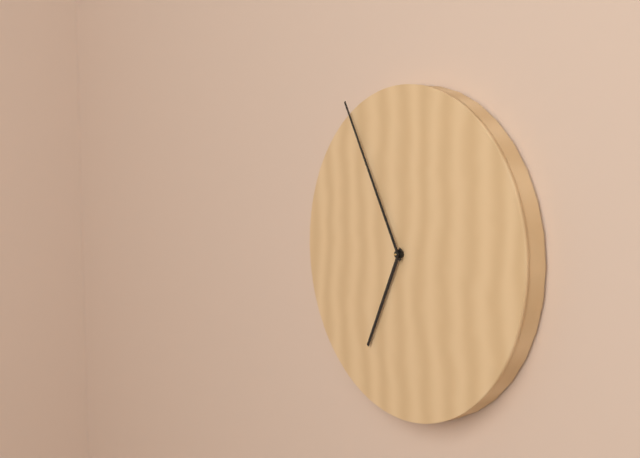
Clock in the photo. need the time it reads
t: 6:55
